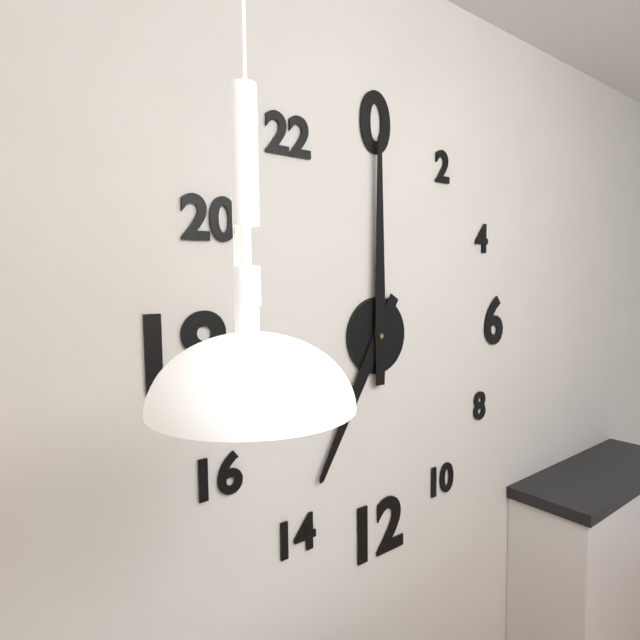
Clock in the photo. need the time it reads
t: 7:00
